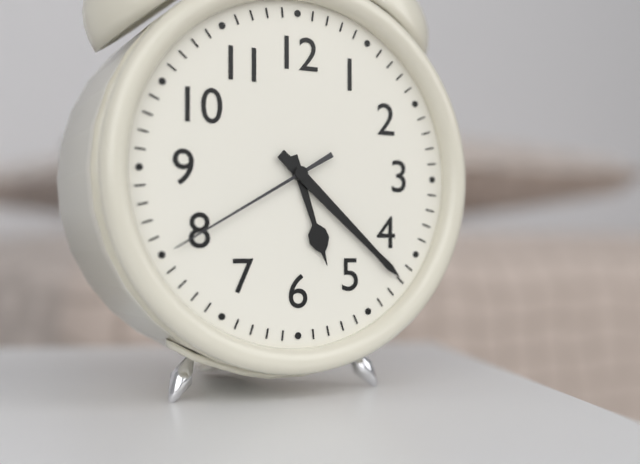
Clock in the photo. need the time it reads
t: 5:22:40
